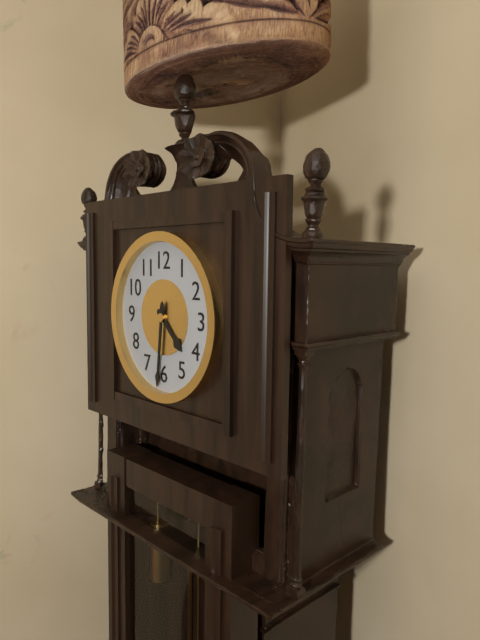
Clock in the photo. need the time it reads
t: 4:31
